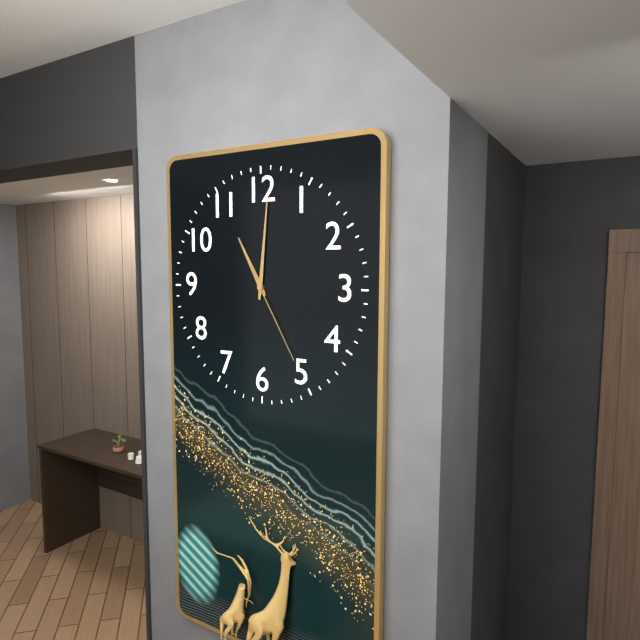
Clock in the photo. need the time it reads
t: 11:01:25
